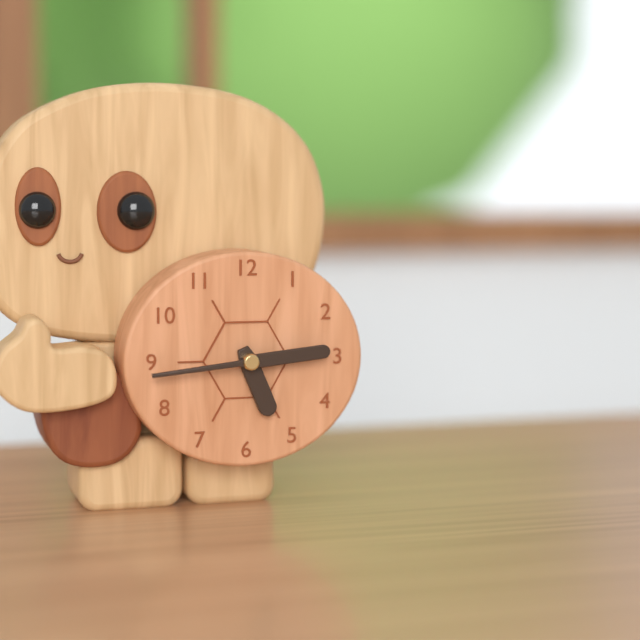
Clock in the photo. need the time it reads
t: 5:14
